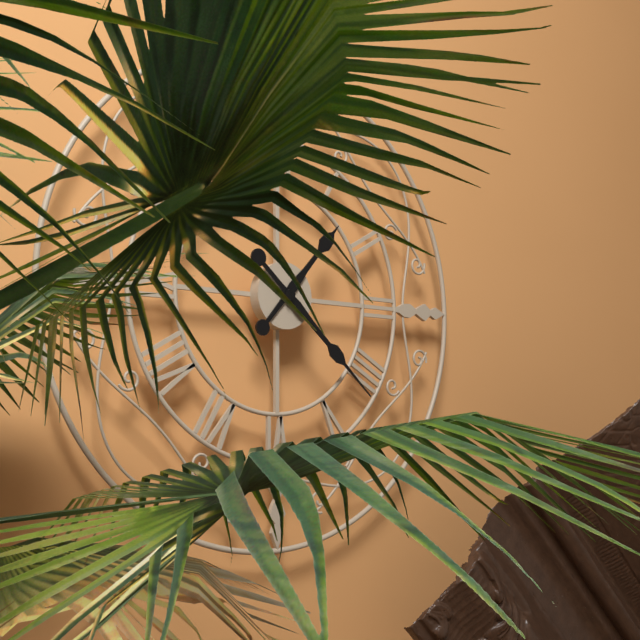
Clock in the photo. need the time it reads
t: 1:22
